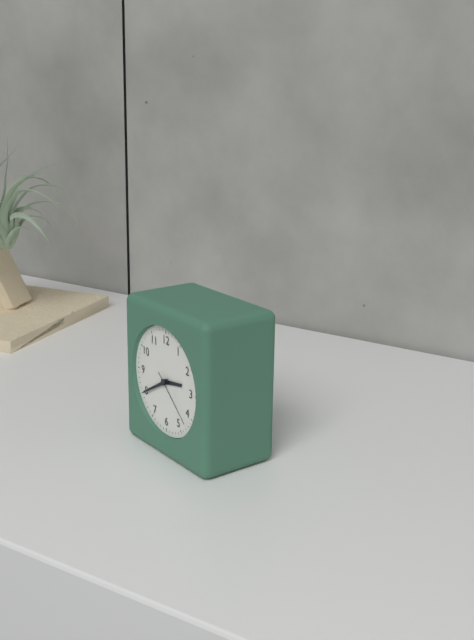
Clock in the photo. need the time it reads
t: 2:40:22
